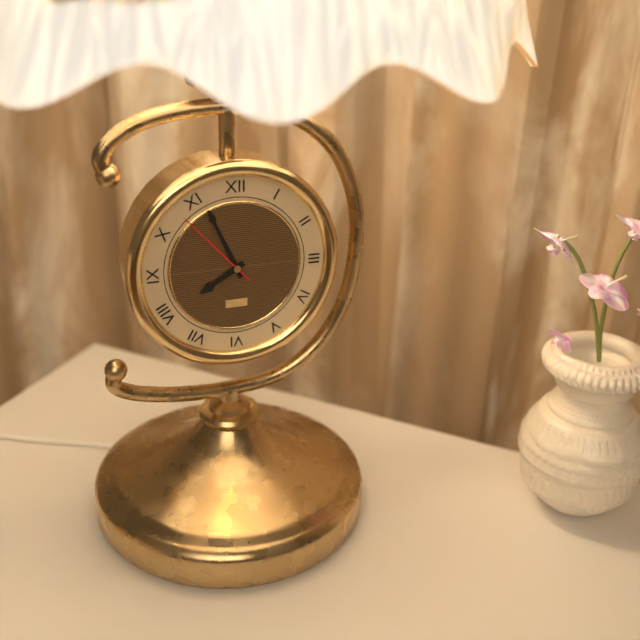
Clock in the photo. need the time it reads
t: 7:56:53
